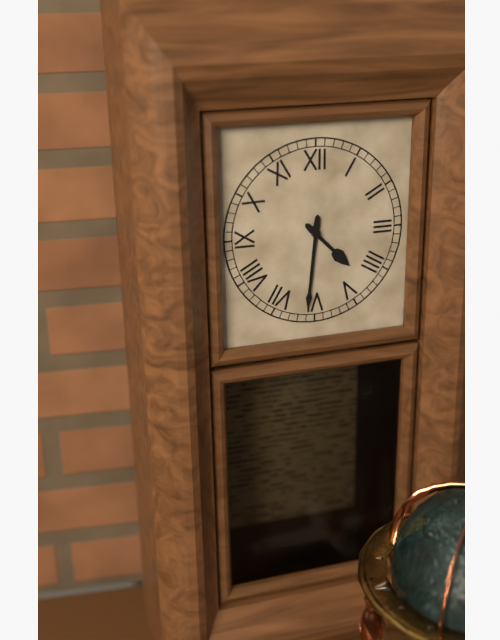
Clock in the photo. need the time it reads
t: 4:31
